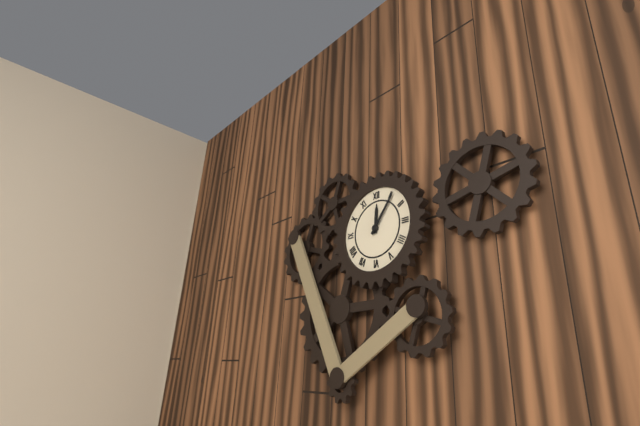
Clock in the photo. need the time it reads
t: 12:06
